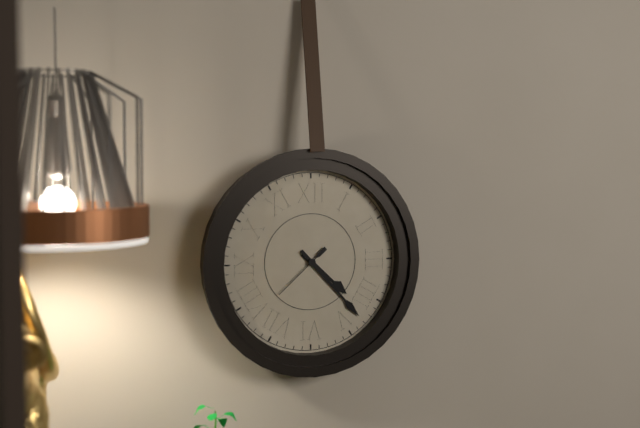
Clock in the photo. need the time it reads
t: 4:23:38
